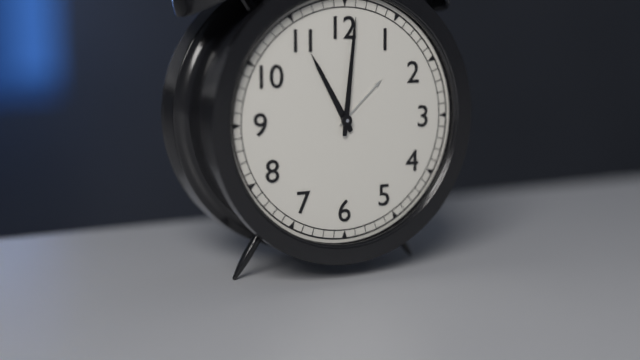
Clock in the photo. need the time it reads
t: 11:01
